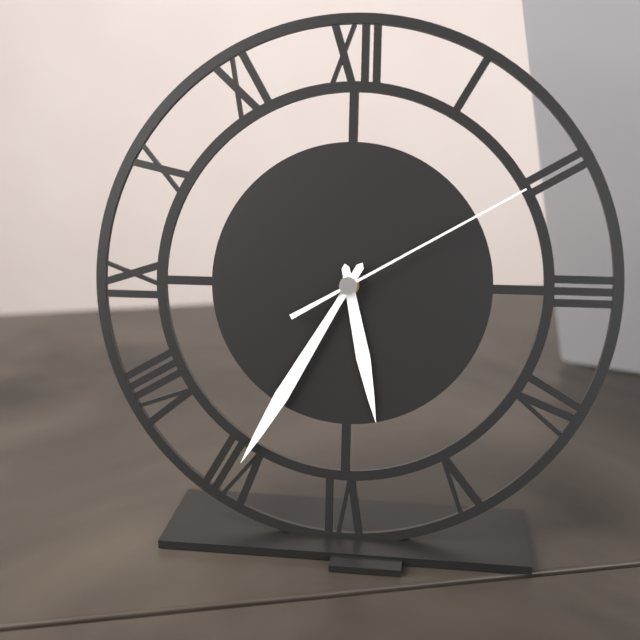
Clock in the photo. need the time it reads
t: 5:35:10
